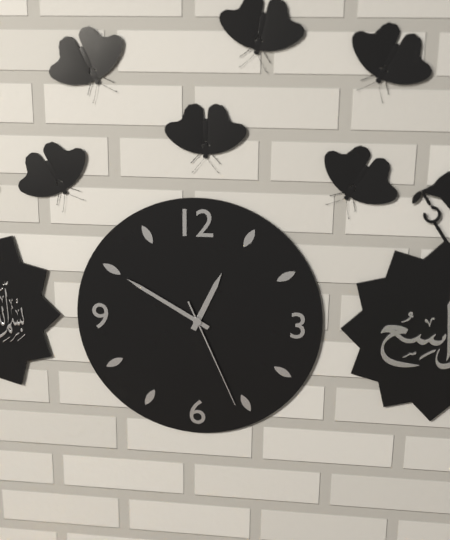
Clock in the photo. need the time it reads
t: 12:50:26
